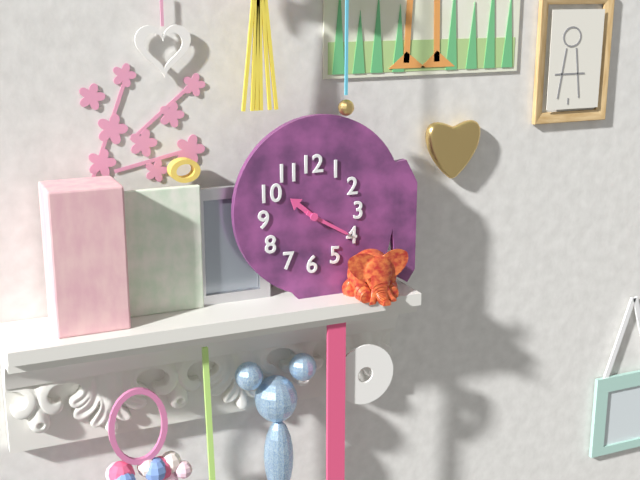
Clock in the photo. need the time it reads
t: 10:20
